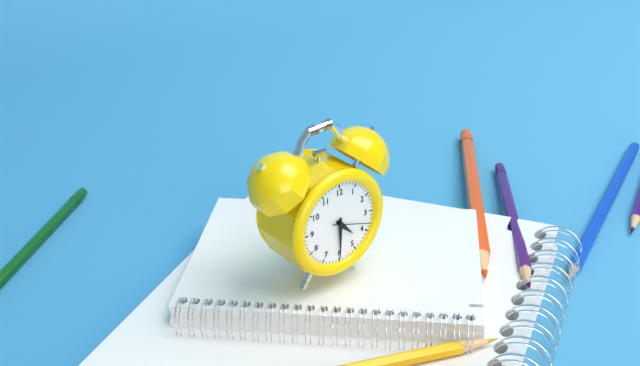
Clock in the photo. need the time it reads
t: 4:30
